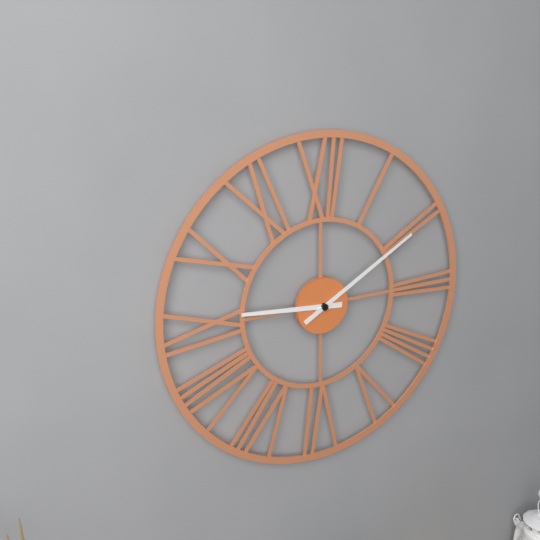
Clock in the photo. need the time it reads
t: 9:10
